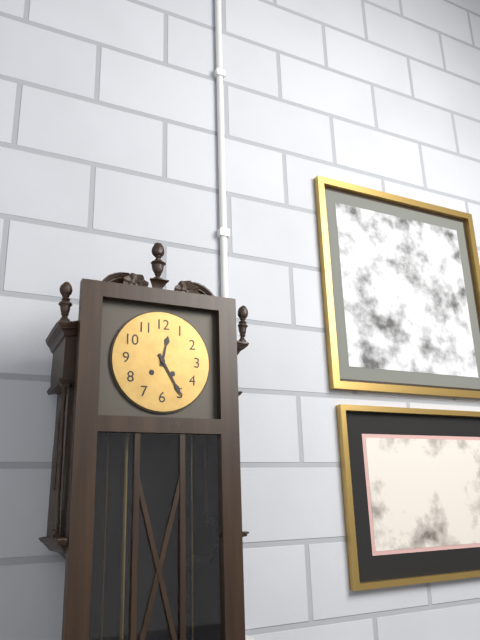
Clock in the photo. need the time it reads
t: 12:25
